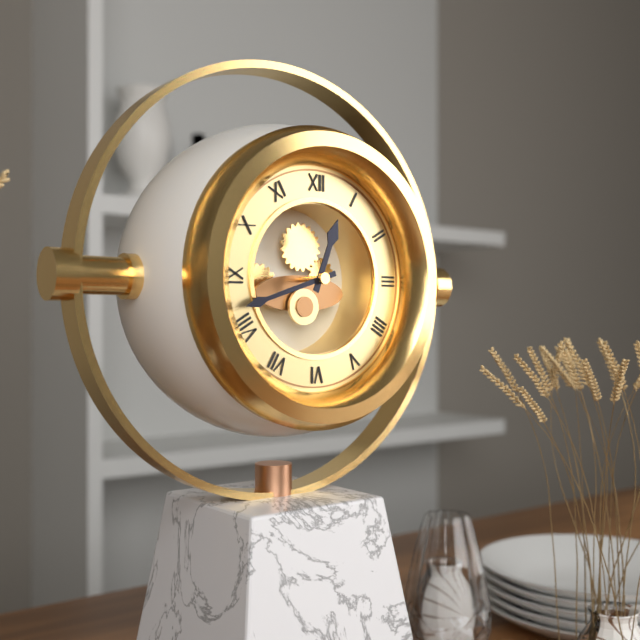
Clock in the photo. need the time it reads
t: 12:42
